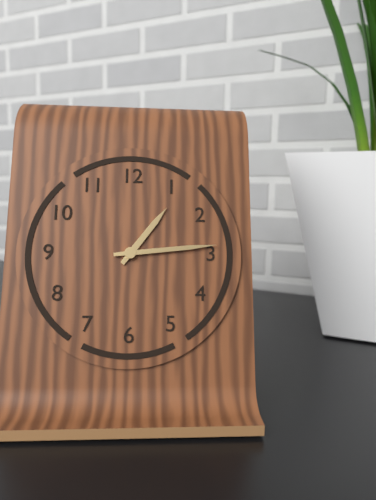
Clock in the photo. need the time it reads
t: 1:14
